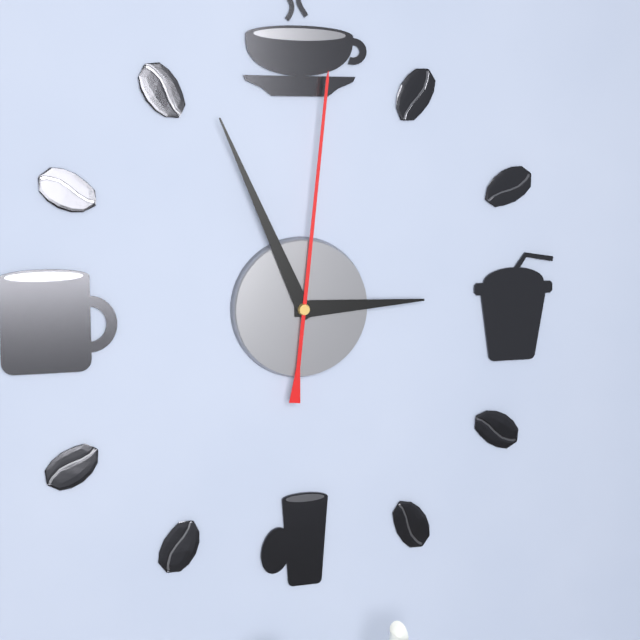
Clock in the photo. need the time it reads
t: 2:56:01
